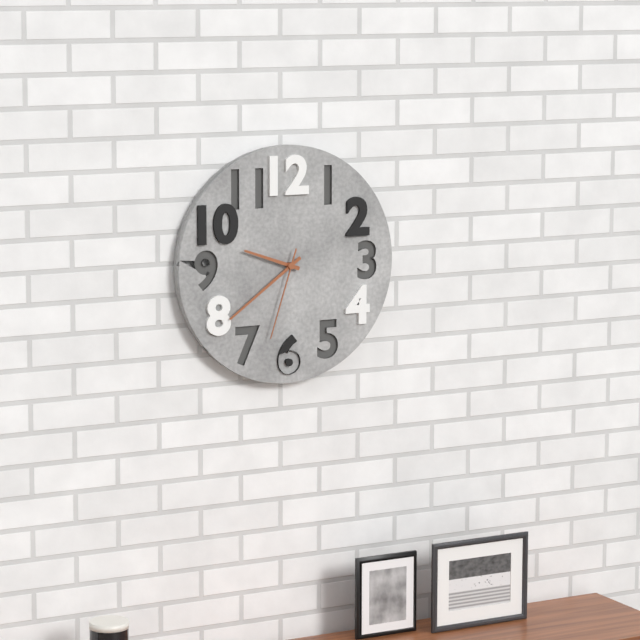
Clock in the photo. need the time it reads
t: 9:39:33
